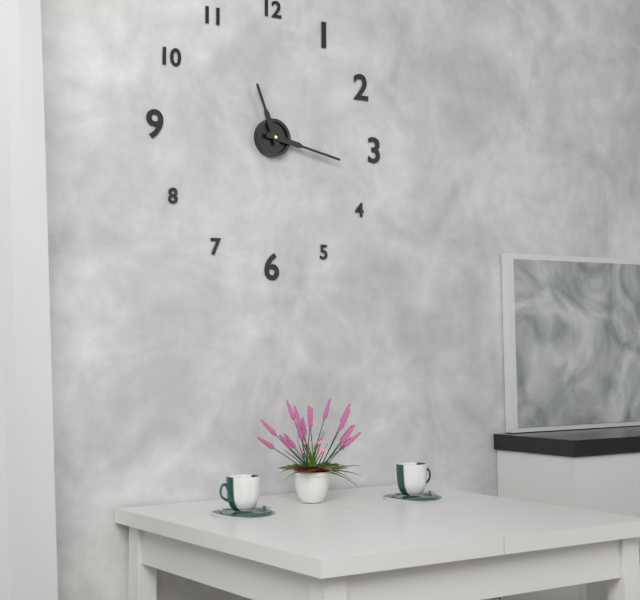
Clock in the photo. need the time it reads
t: 11:17
